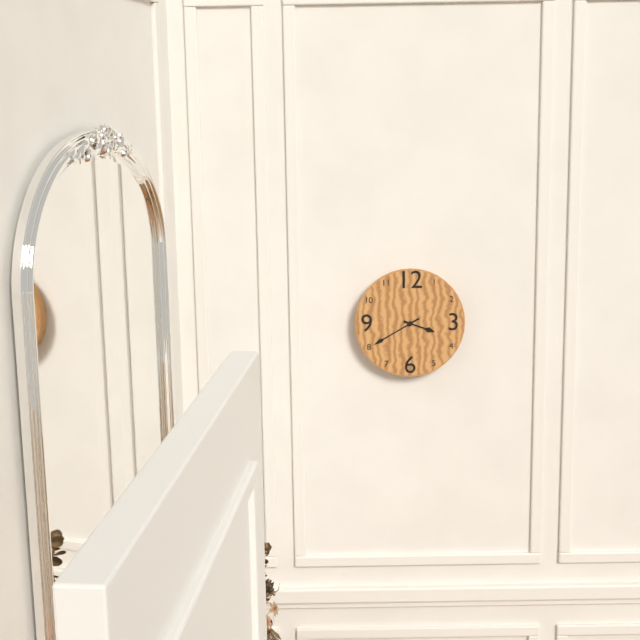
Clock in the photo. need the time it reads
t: 3:40
